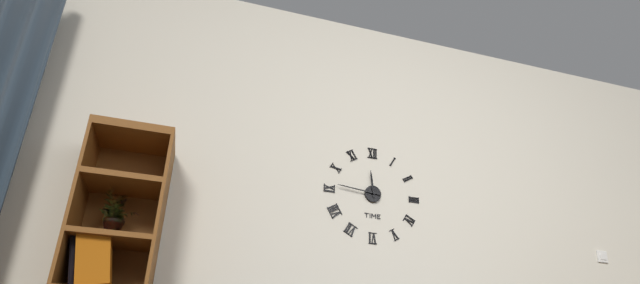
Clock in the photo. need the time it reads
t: 11:46
